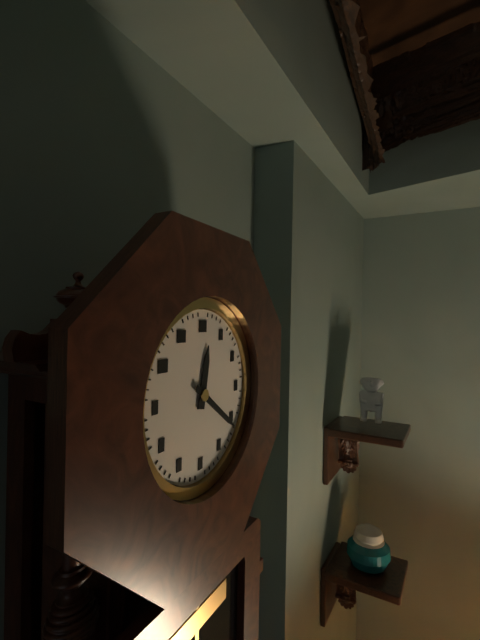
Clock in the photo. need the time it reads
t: 12:21
